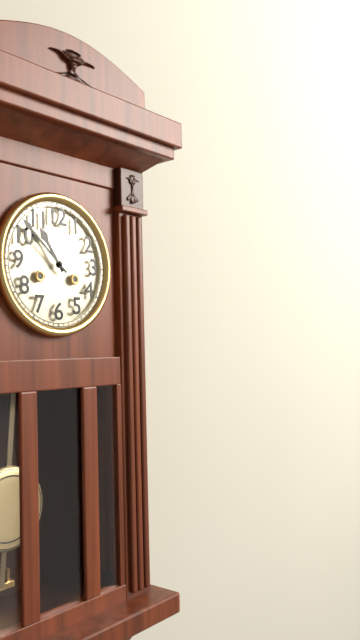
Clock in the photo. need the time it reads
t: 10:52
